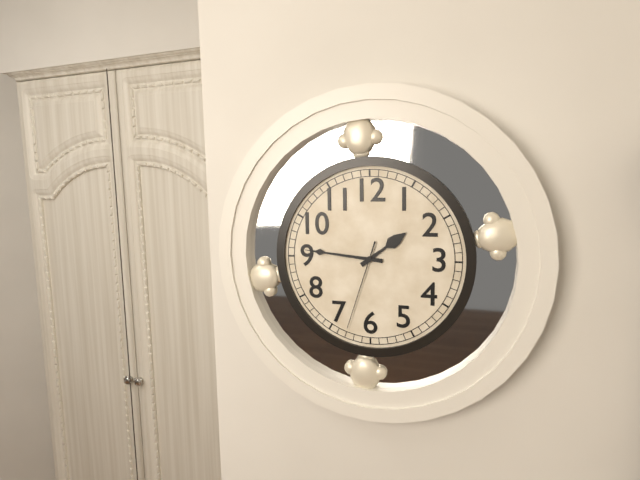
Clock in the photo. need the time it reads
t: 1:46:33
